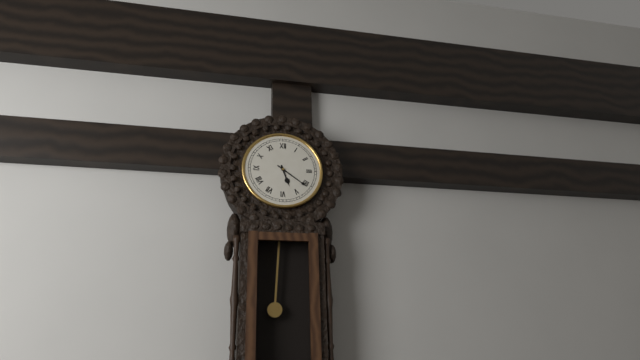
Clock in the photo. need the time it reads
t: 5:21
